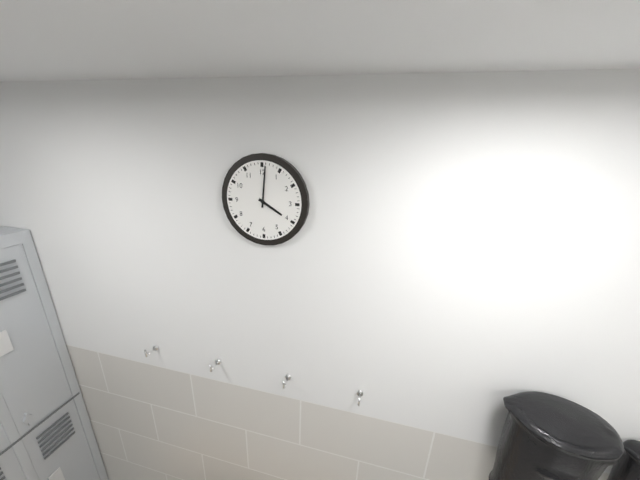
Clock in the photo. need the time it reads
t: 4:01
